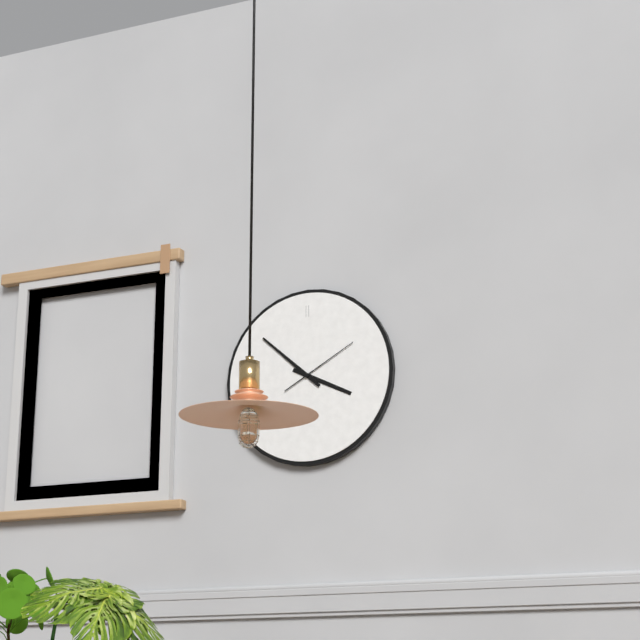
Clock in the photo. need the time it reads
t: 3:52:10
